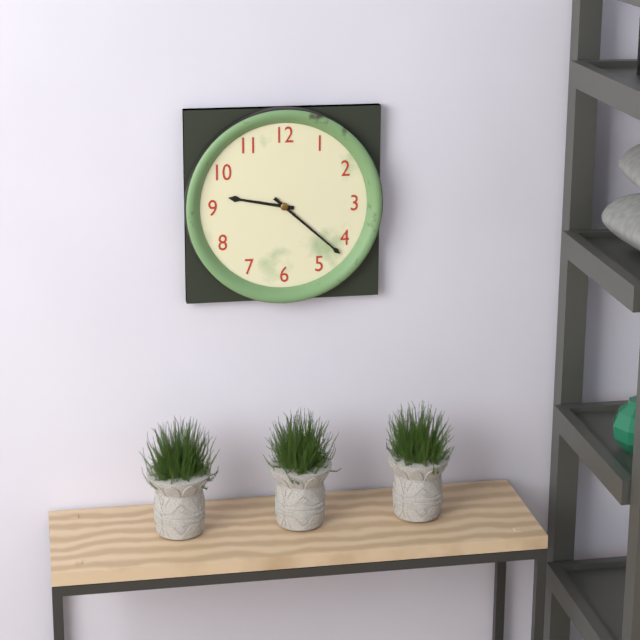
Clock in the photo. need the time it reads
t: 9:22
